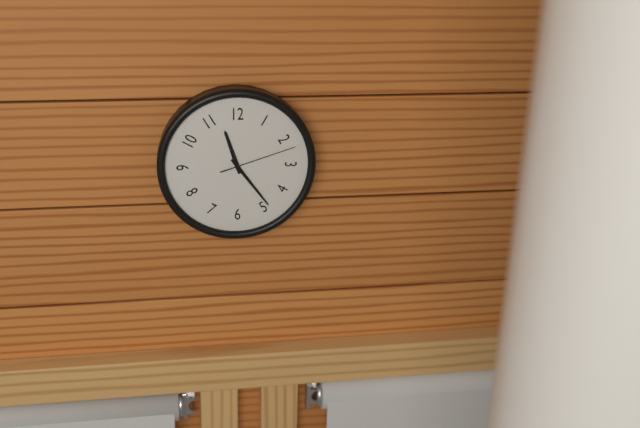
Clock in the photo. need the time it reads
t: 11:24:12
